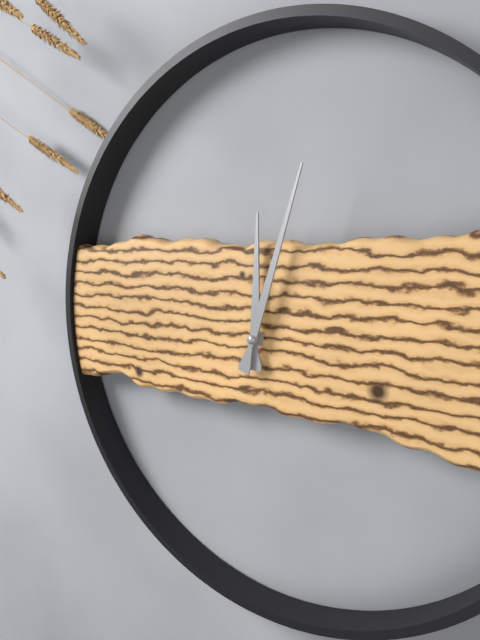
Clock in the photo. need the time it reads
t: 12:03
